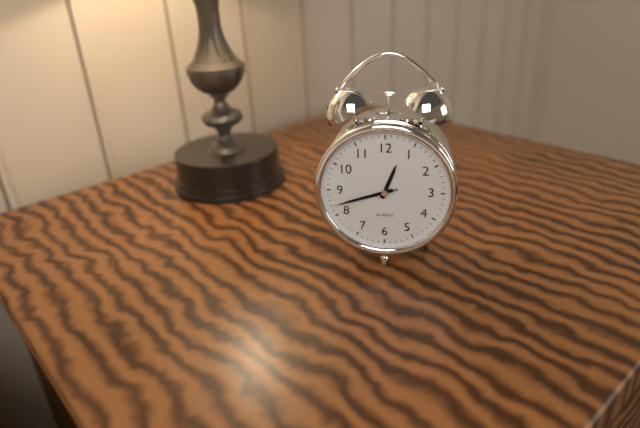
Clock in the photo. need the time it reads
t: 12:42:42
